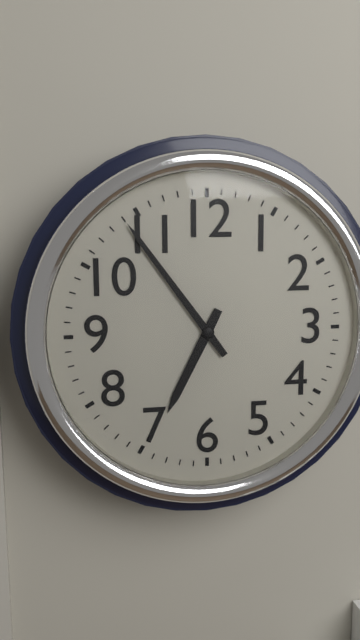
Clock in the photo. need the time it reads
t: 6:54
